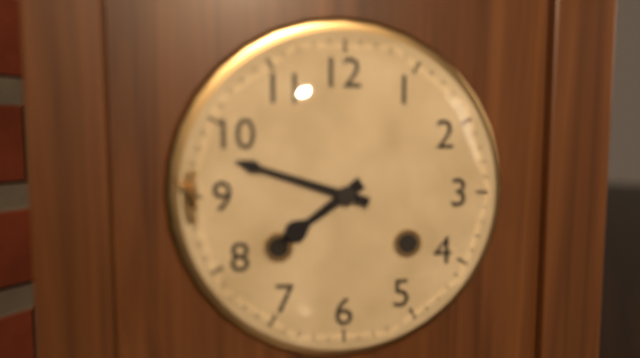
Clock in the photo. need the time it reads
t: 7:48
